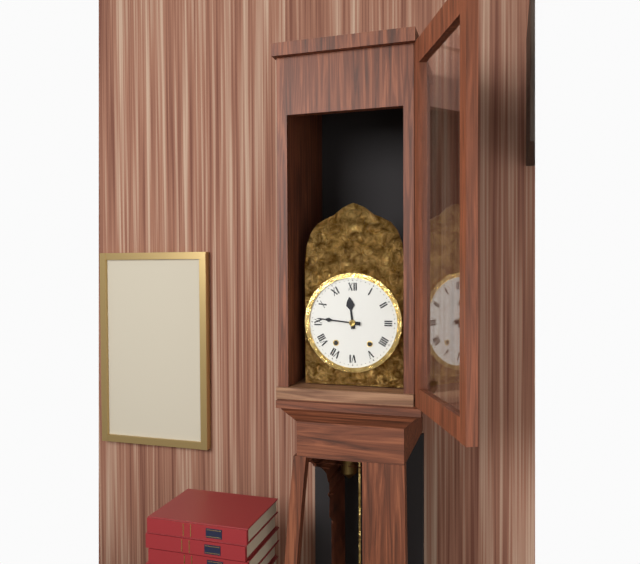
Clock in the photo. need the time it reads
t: 11:46
